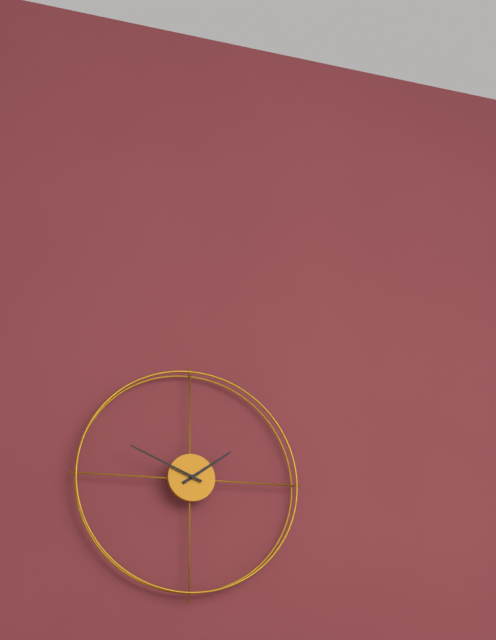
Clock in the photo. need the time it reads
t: 1:49
